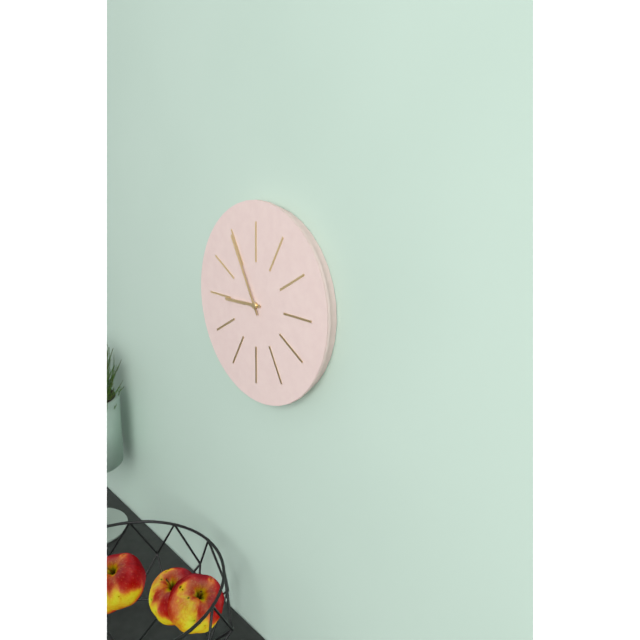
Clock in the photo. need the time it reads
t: 8:55
